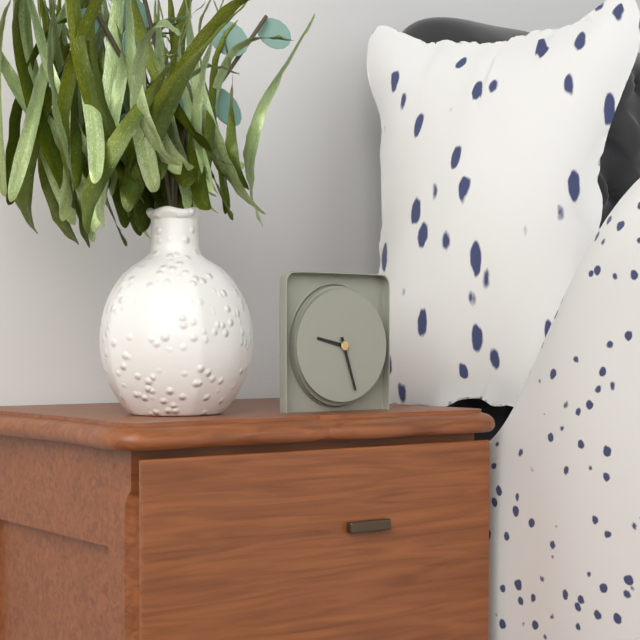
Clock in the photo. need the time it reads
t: 9:27
